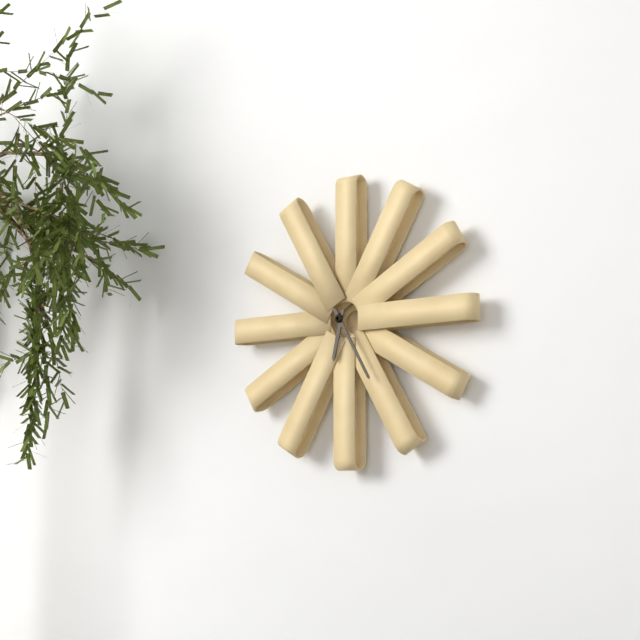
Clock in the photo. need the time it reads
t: 6:25
